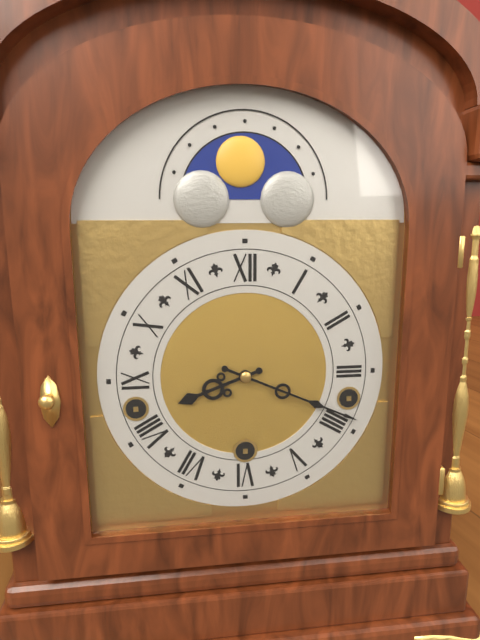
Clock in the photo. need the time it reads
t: 8:19
